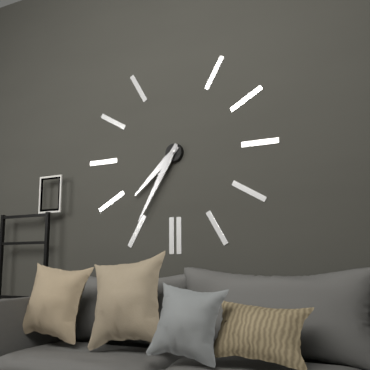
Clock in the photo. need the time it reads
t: 7:35
